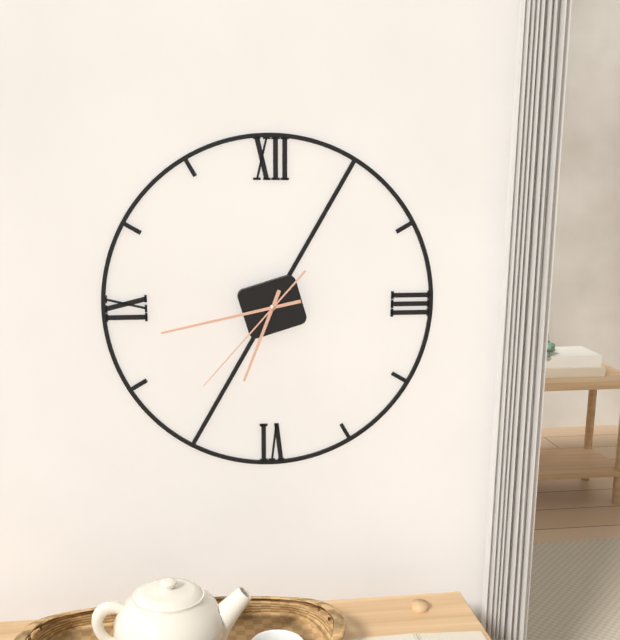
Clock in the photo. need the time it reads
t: 6:43:37
